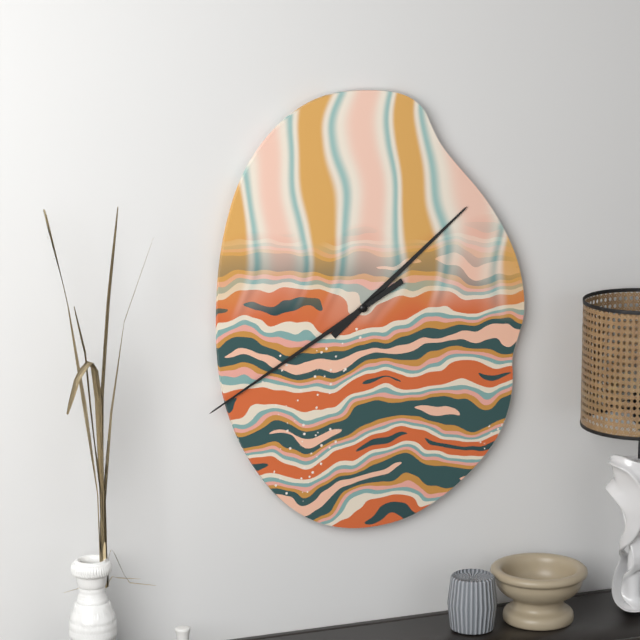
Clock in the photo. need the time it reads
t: 1:40
